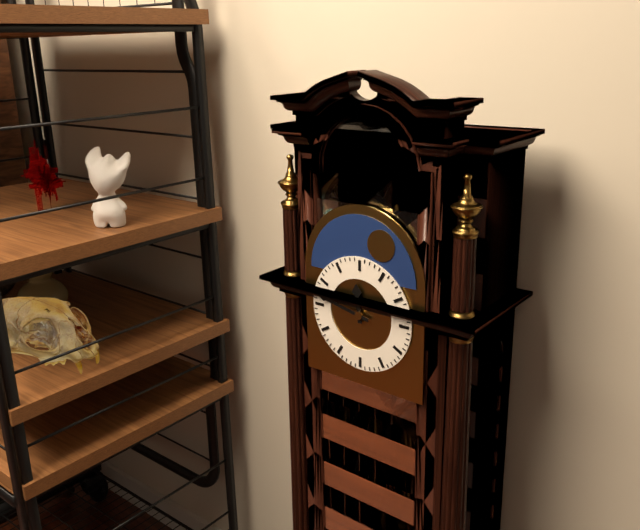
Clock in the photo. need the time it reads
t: 11:47
